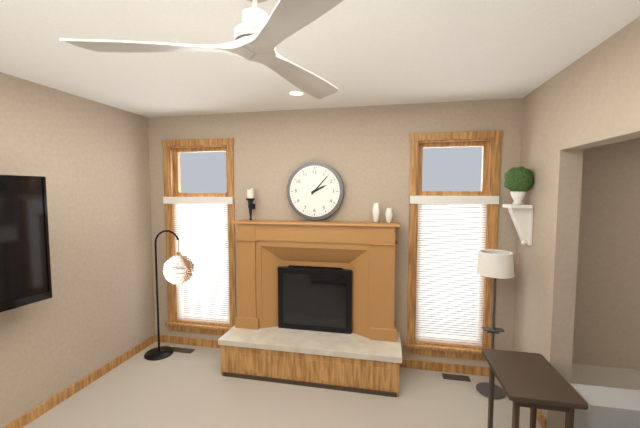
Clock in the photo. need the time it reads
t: 2:07
